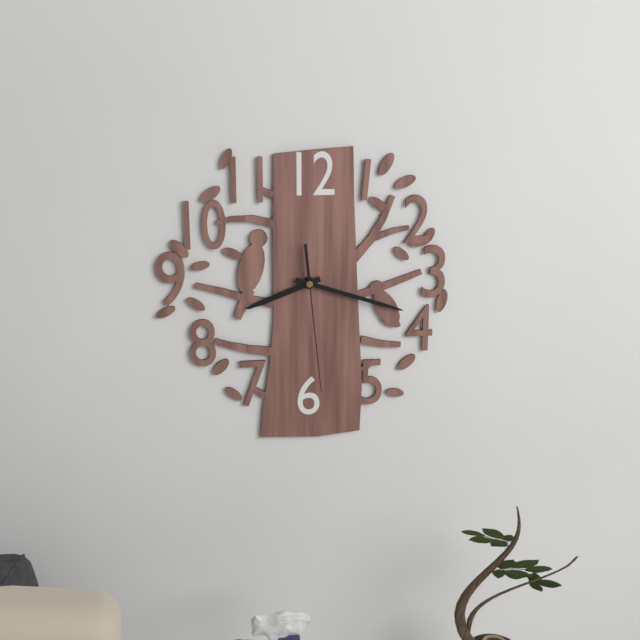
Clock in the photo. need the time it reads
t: 8:18:29
